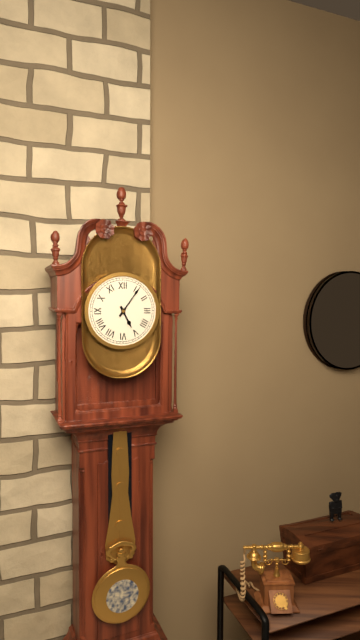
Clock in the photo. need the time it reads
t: 5:06
